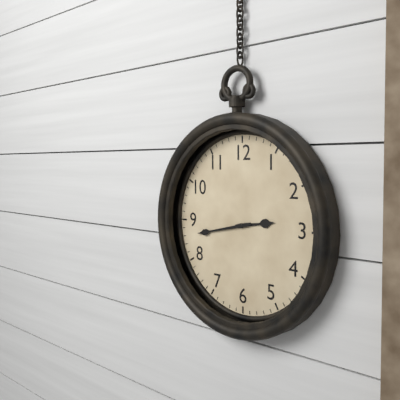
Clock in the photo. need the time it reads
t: 2:43
